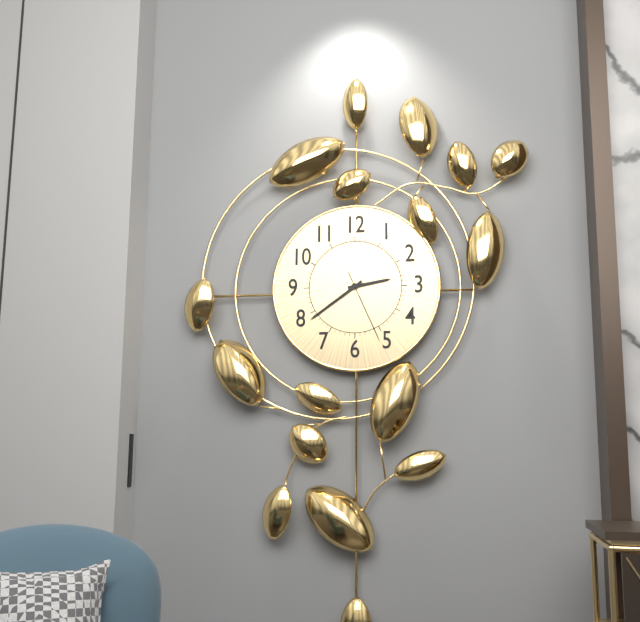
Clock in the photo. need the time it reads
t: 2:39:26
